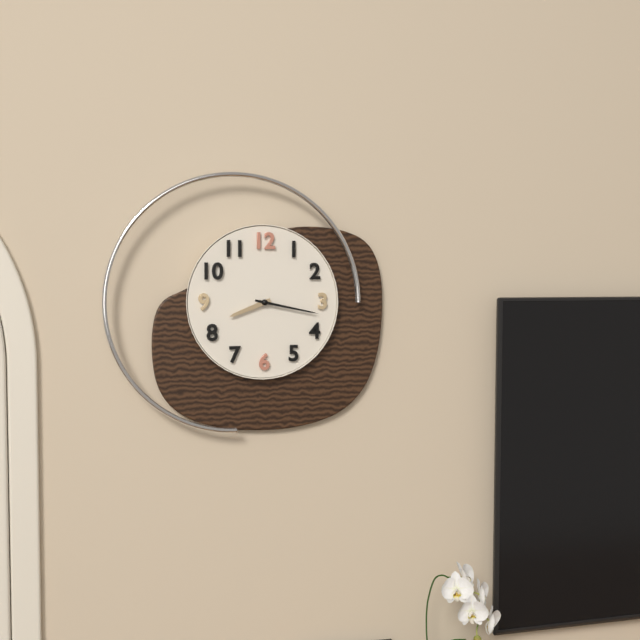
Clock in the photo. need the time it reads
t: 8:17
